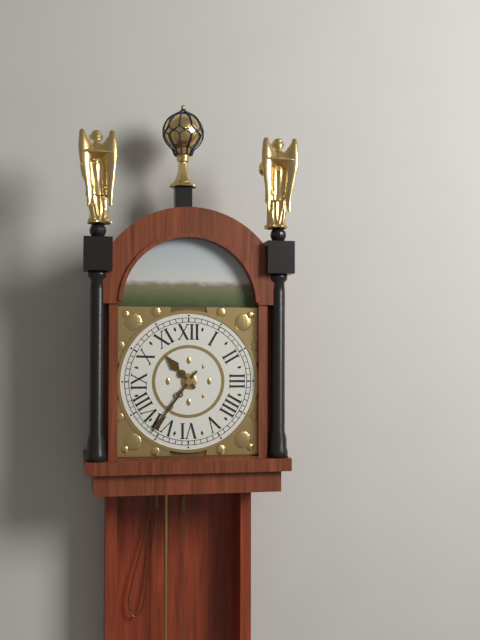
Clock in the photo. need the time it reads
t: 10:36
